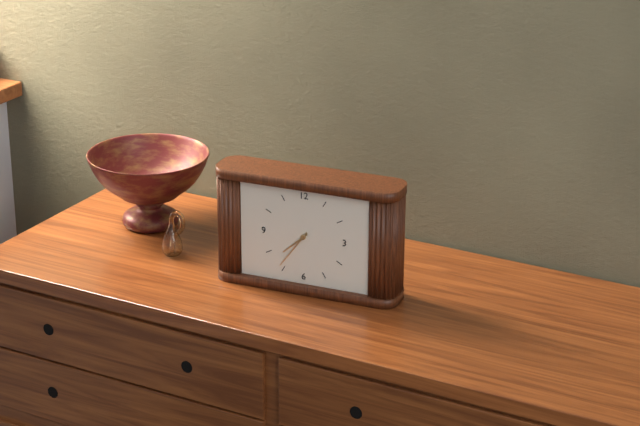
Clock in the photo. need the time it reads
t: 7:36
